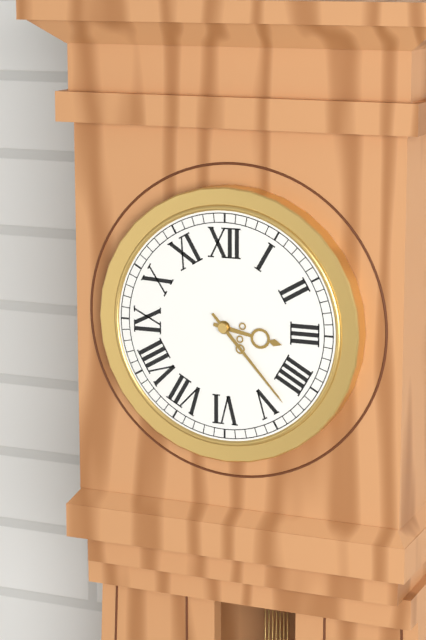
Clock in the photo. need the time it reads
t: 3:23
